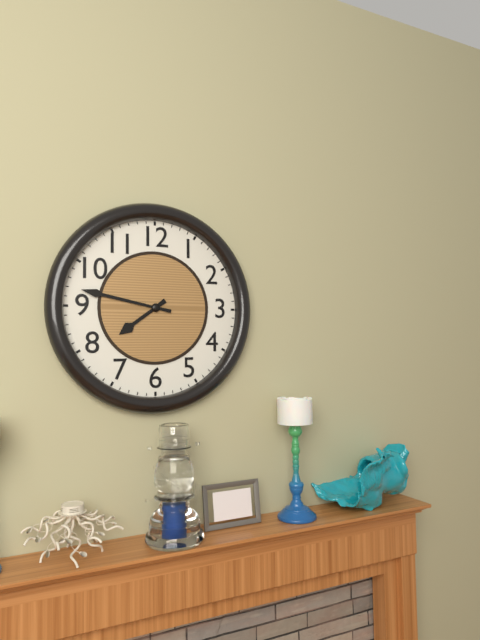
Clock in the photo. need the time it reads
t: 7:47
